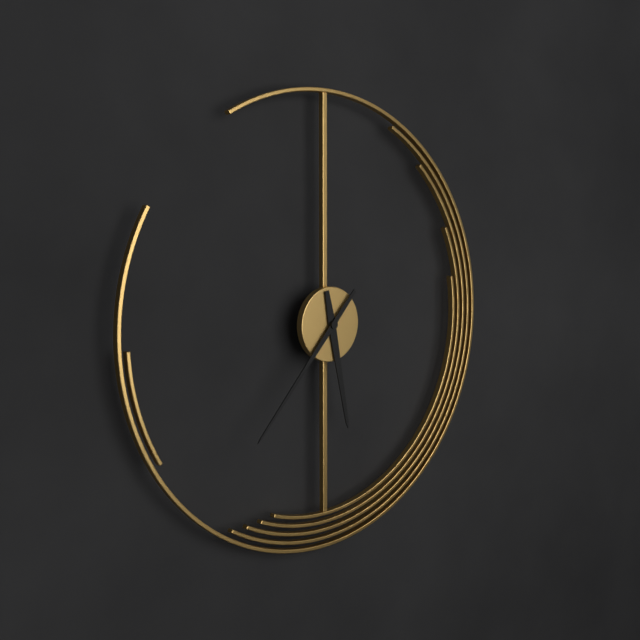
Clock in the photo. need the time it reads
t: 5:37
